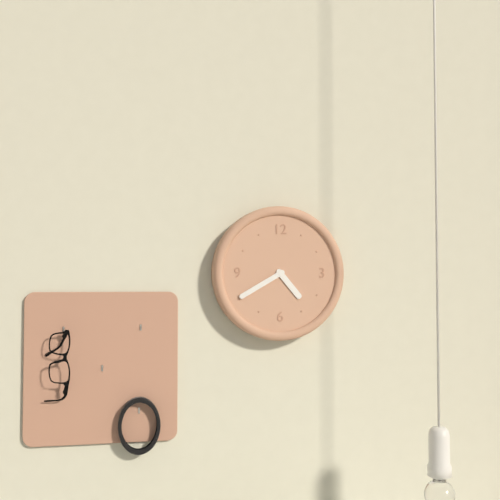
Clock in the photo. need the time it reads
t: 4:40
